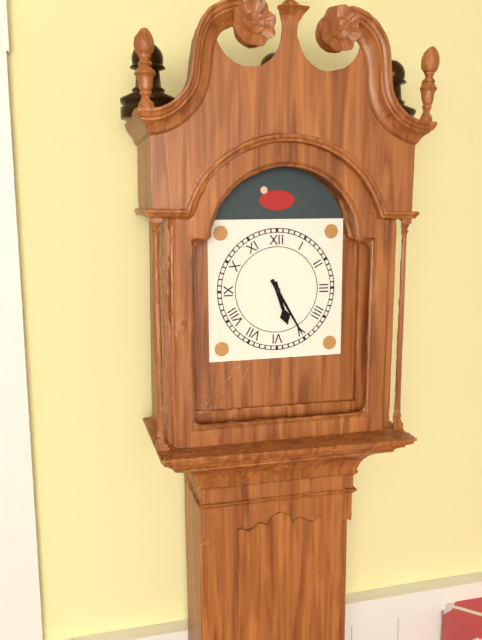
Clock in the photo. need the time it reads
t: 5:25
